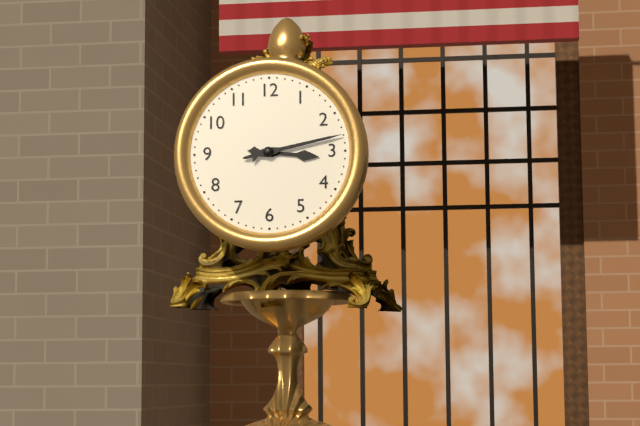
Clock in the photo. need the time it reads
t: 3:13
